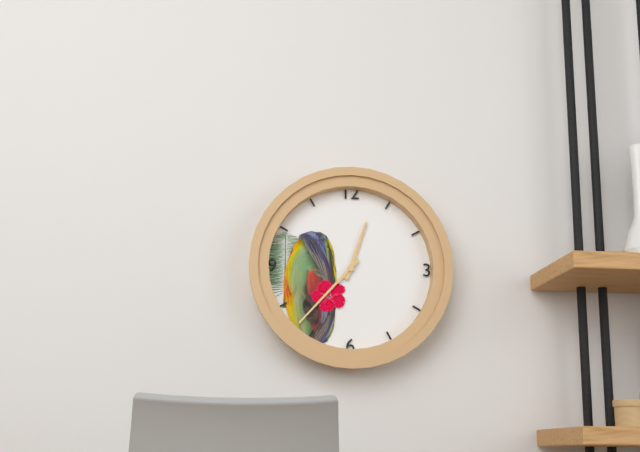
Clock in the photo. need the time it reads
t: 12:37
